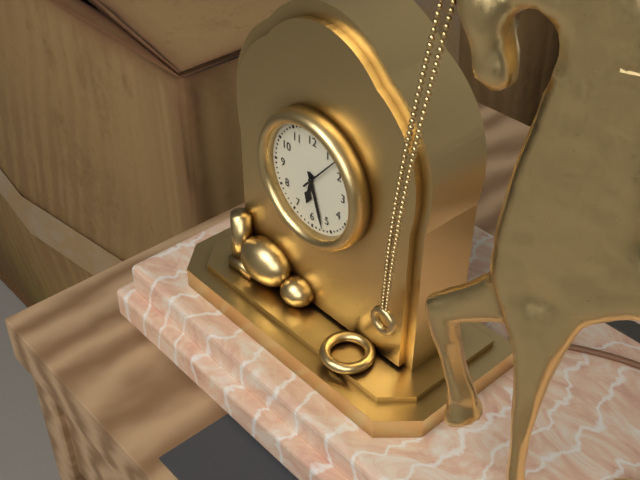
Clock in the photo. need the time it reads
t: 6:27
